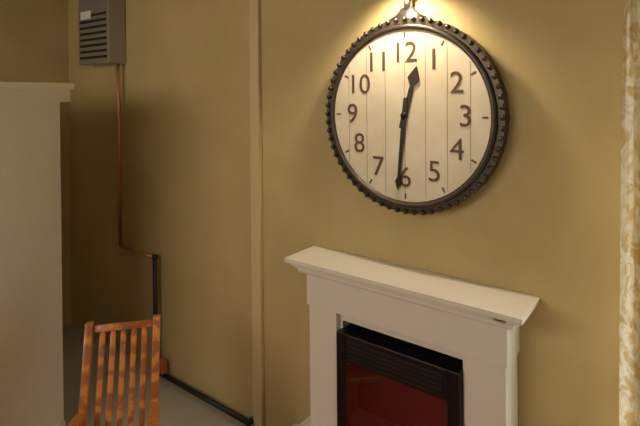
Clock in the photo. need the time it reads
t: 12:31
